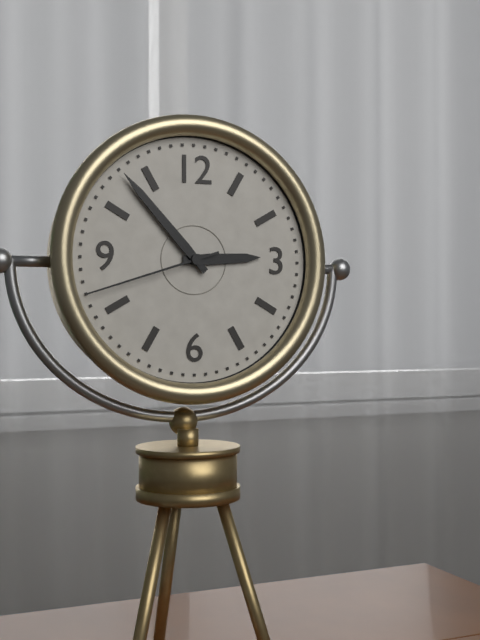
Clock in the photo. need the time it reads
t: 2:53:42
